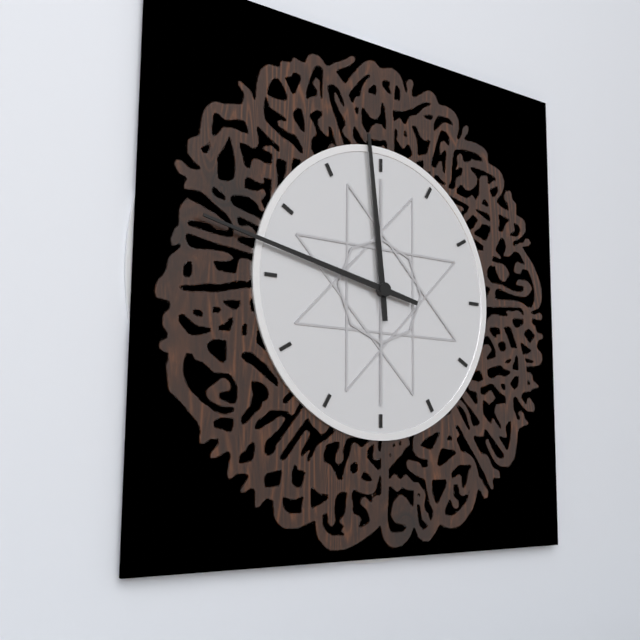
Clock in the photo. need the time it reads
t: 11:47
